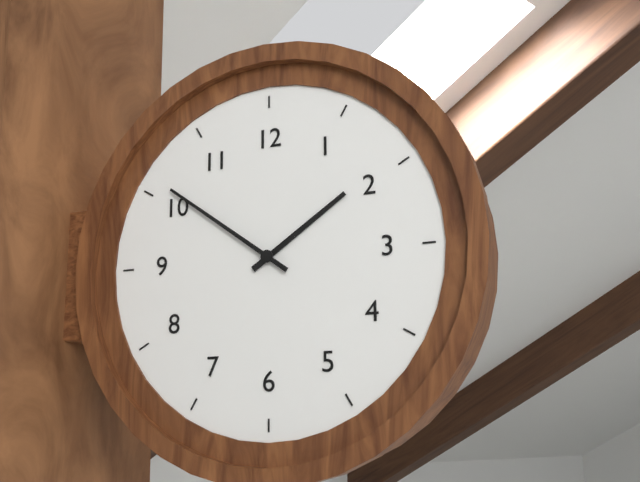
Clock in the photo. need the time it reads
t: 1:51
